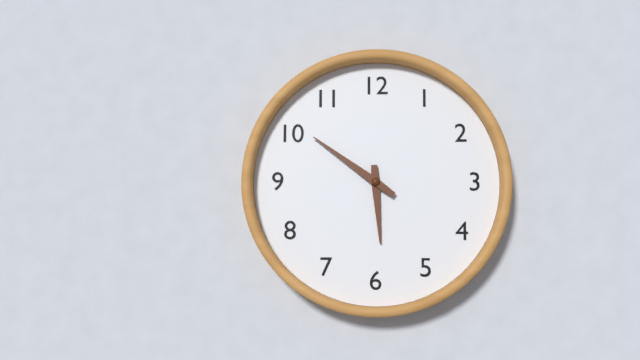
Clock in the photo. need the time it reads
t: 5:51
